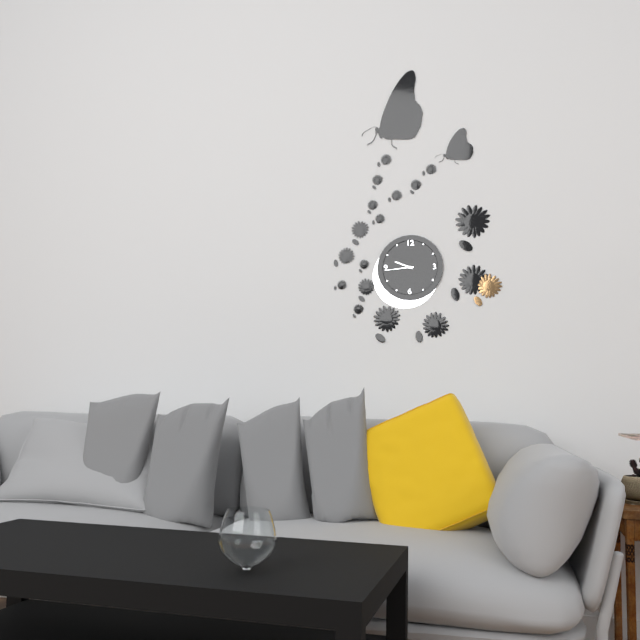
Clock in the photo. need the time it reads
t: 9:44
